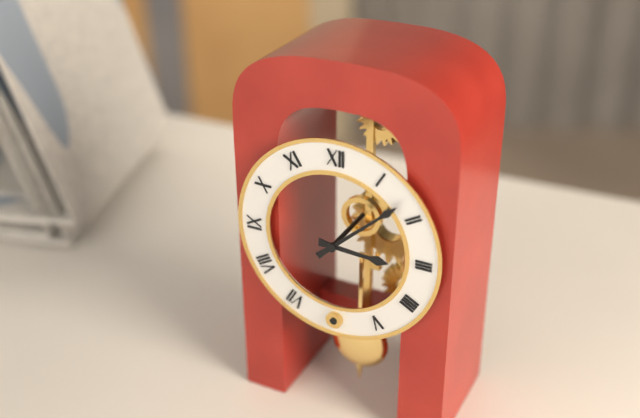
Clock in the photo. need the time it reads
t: 3:08
